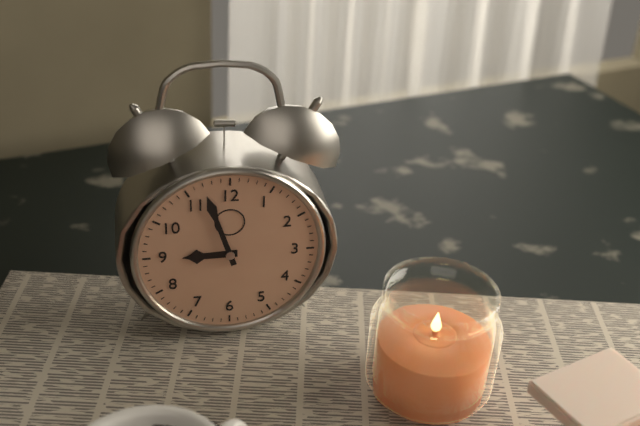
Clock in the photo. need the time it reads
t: 8:57
